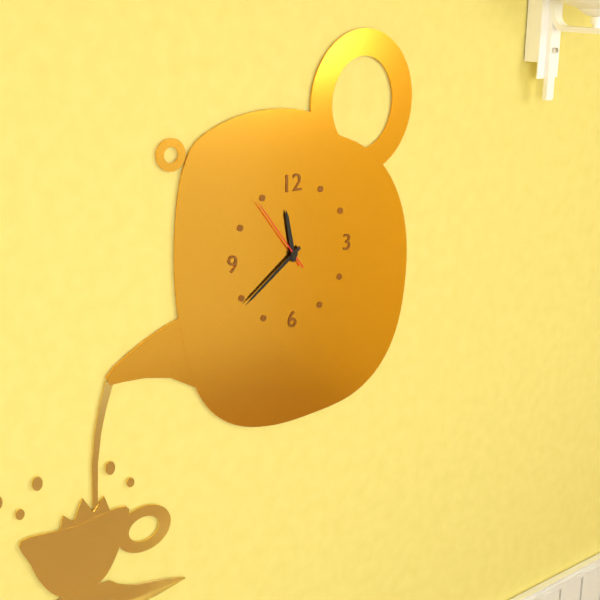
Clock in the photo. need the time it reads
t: 11:39:54
